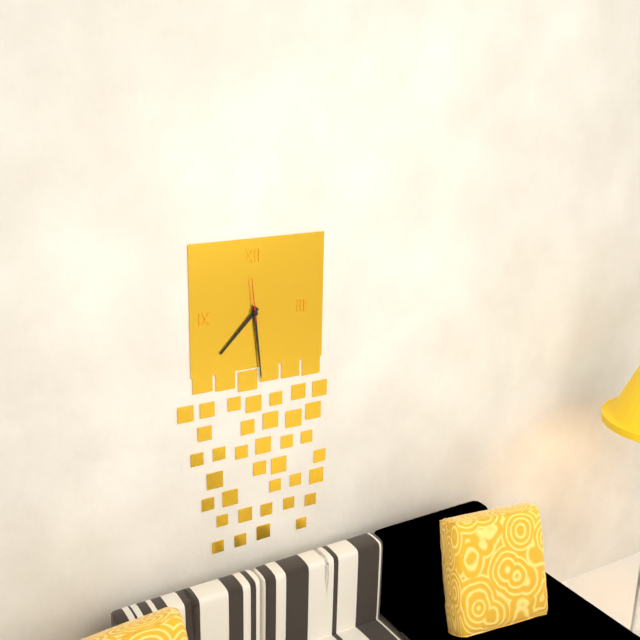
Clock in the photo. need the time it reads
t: 7:29
